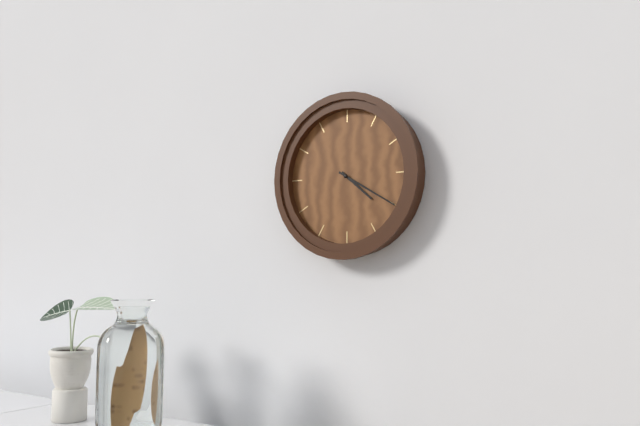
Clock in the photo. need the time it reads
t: 4:20
